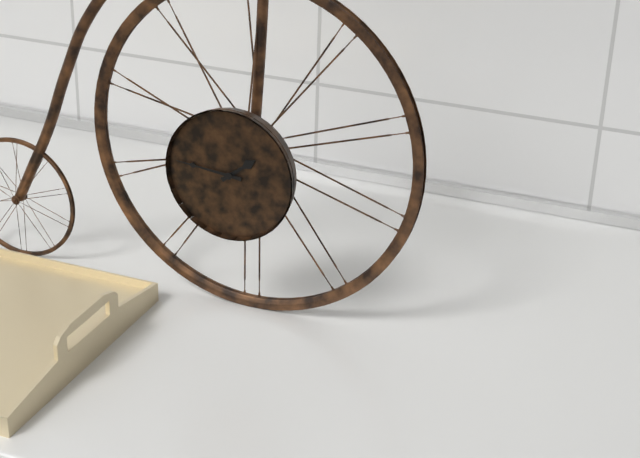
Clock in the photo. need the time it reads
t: 1:46
